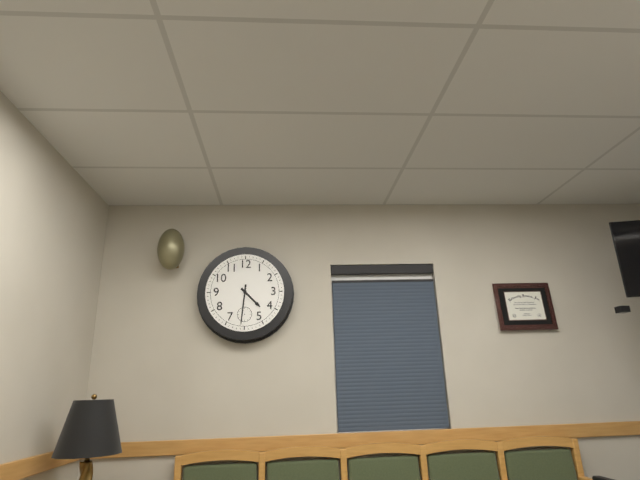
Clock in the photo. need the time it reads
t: 4:31
